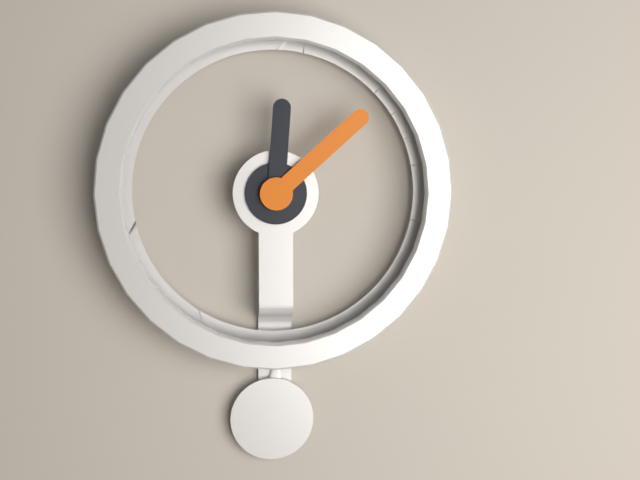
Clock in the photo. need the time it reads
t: 12:08
